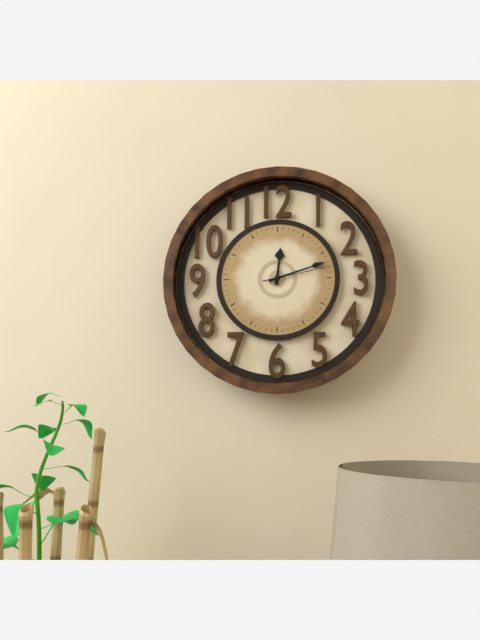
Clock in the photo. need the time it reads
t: 12:12:13
